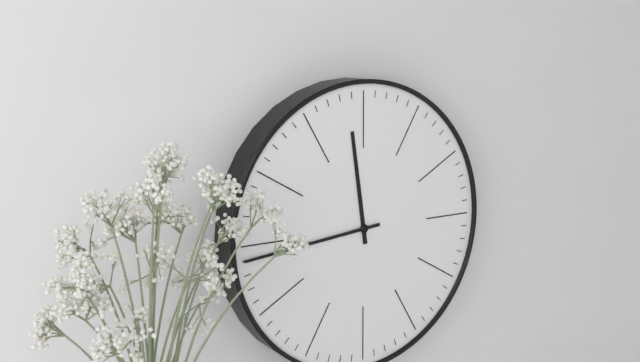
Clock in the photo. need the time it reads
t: 11:44
